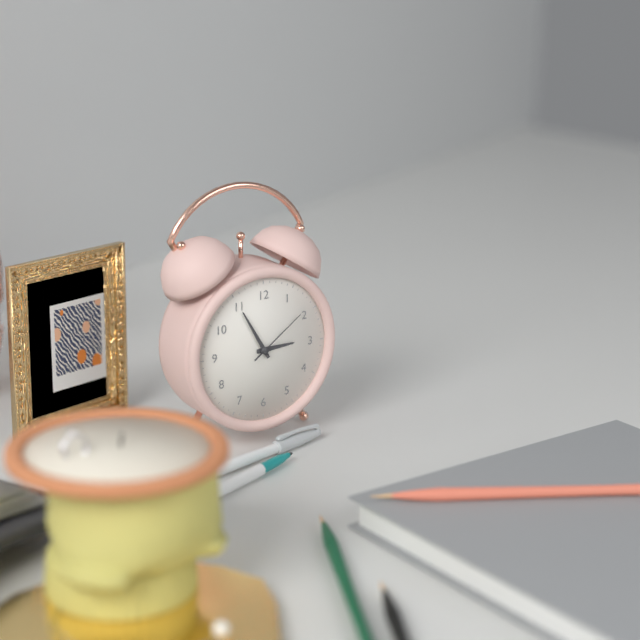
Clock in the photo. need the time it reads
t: 2:55:09
